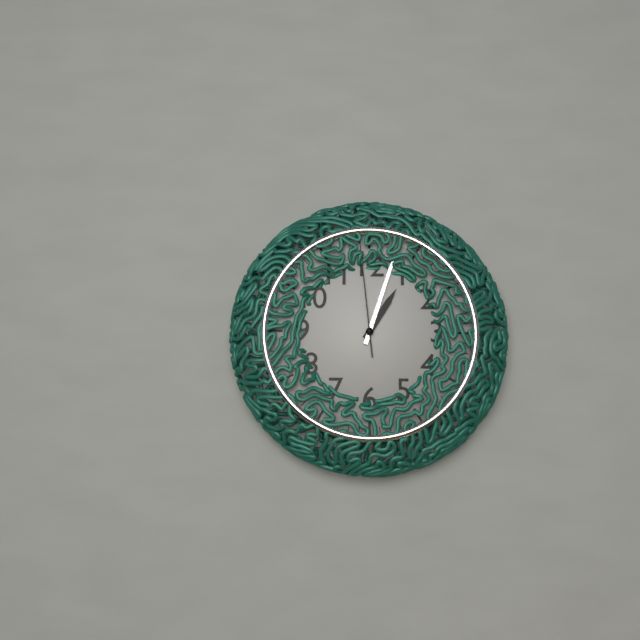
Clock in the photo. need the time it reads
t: 1:03:59
